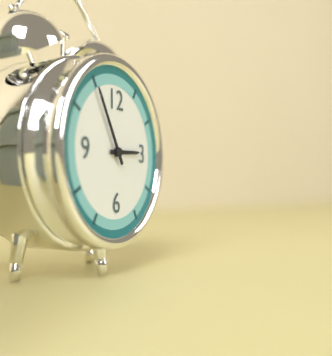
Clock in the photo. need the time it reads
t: 2:55
